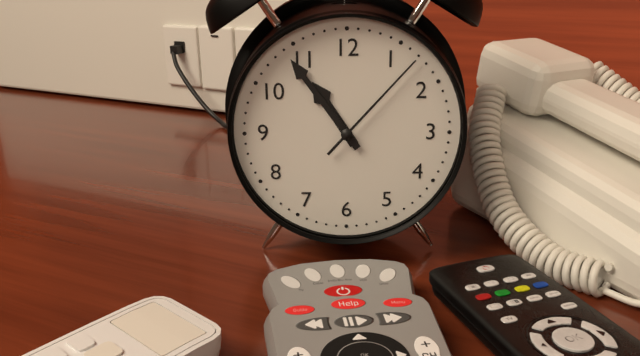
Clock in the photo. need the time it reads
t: 10:54:07
